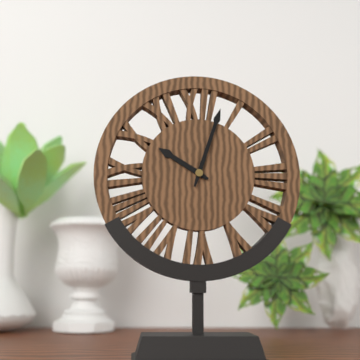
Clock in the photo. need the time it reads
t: 10:03
